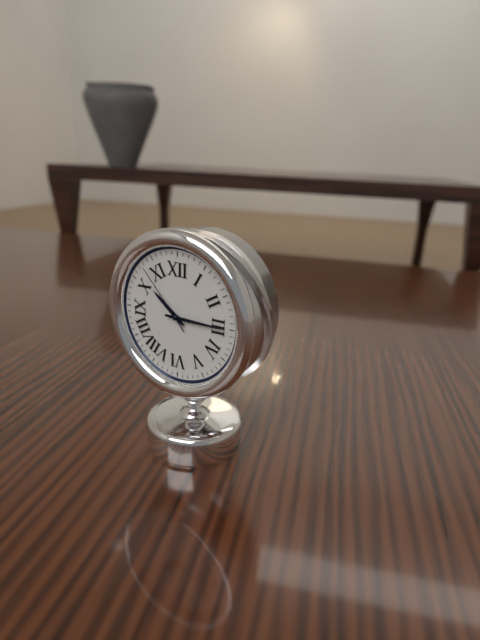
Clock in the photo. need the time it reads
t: 10:15:53
